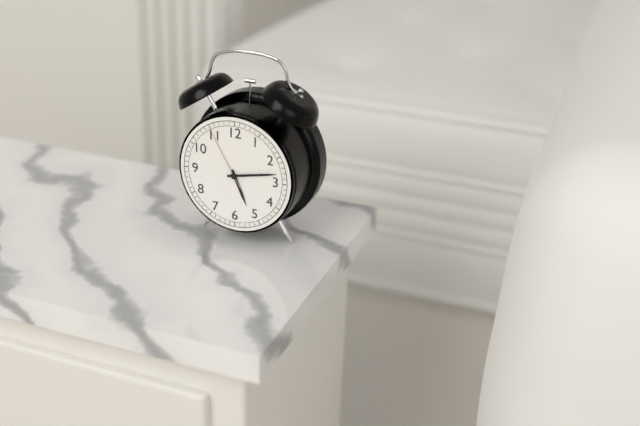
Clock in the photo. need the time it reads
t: 5:13:55
